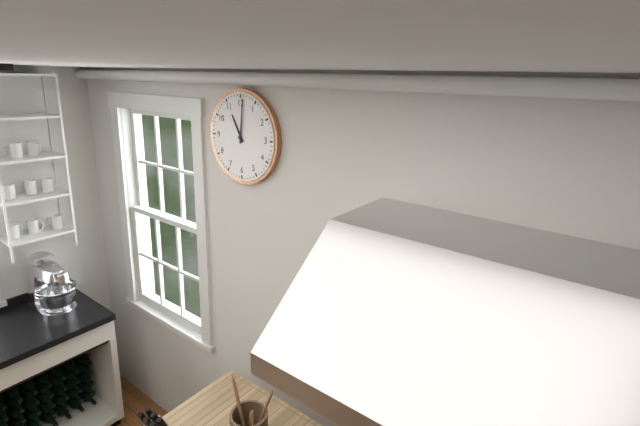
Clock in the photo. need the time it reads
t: 11:01
